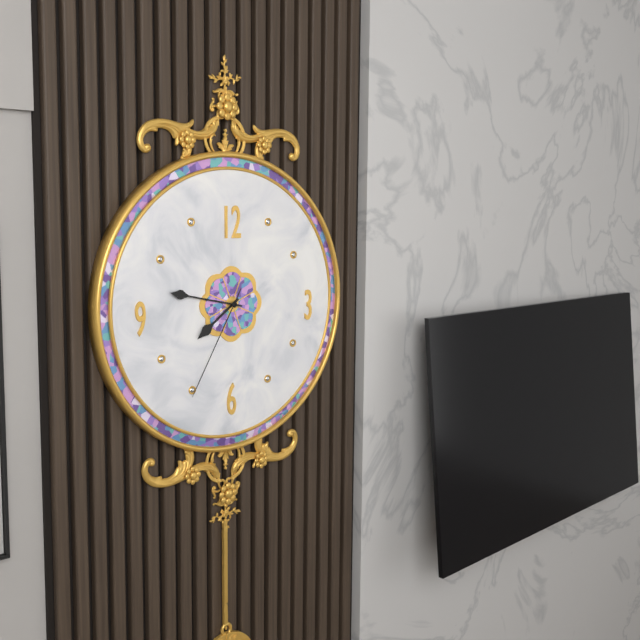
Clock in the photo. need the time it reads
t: 7:47:35
